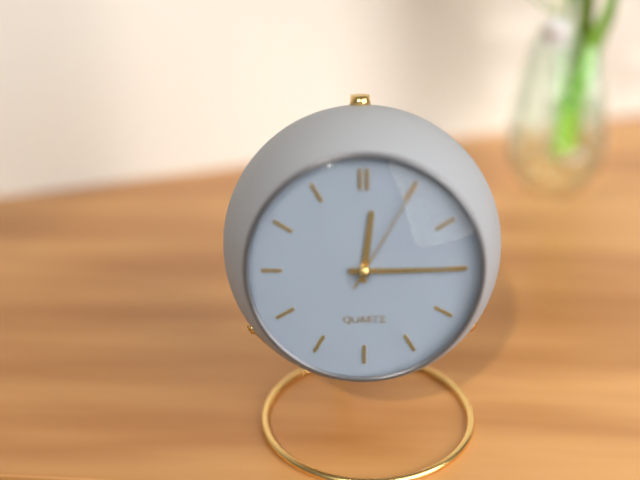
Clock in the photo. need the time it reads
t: 12:15:05
